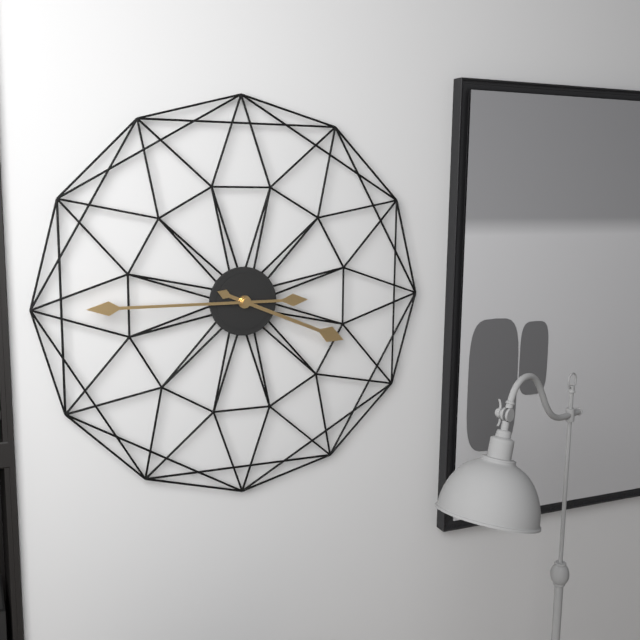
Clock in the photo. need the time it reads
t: 3:45
